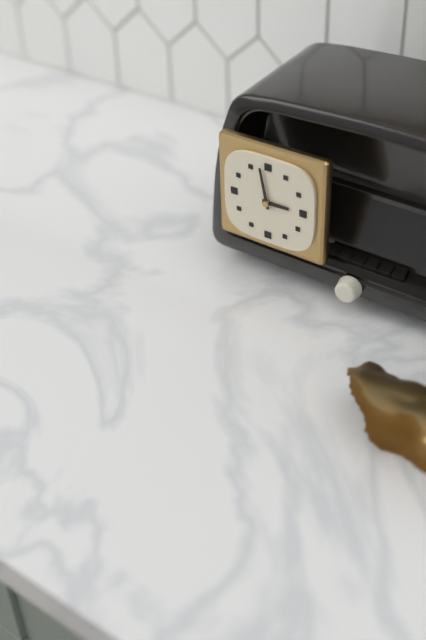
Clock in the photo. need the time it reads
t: 2:58
